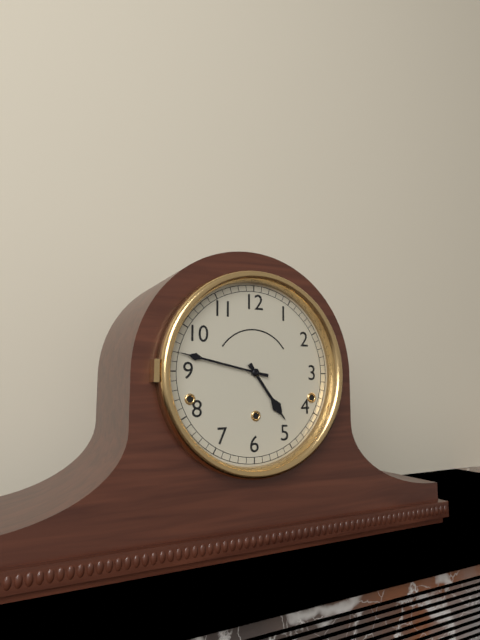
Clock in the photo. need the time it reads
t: 4:47
